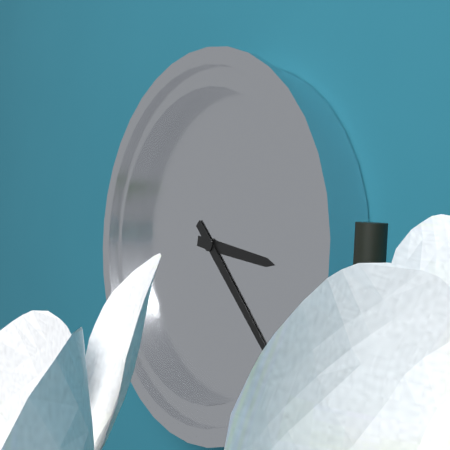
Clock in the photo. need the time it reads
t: 3:23
